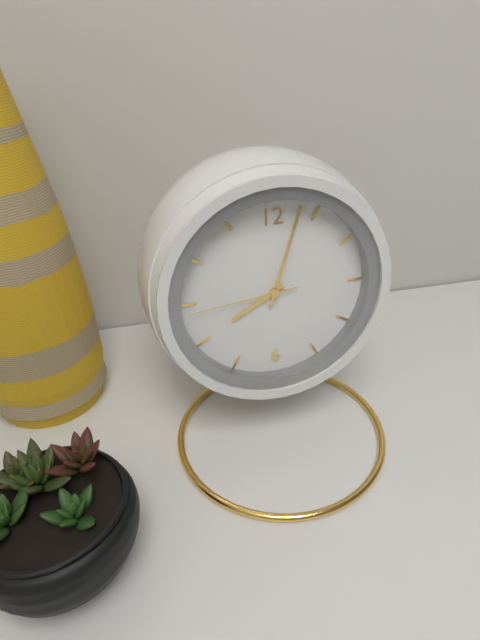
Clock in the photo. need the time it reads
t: 8:03:44
